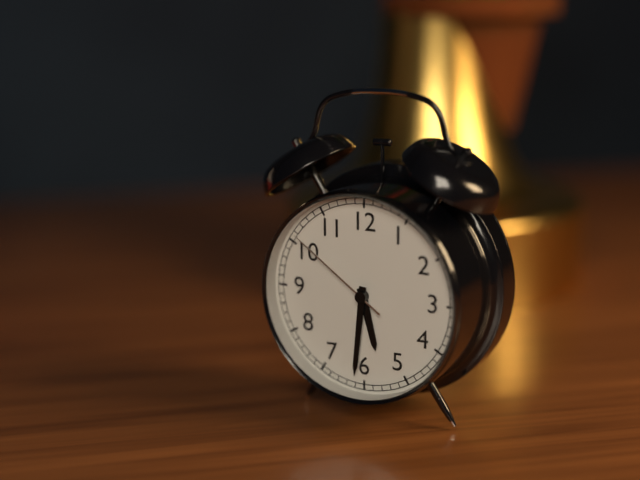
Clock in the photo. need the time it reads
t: 5:31:51
